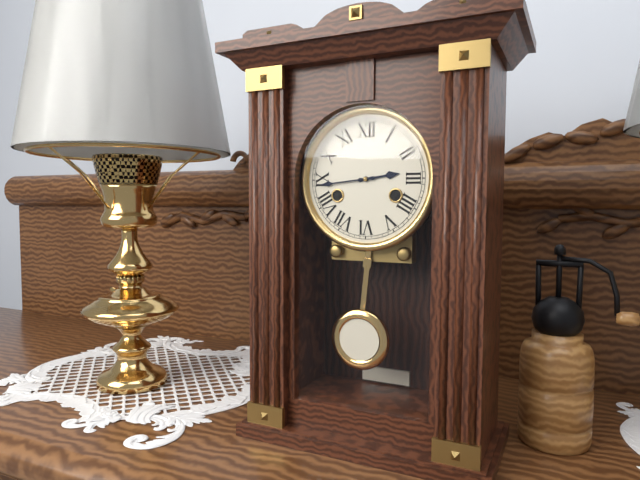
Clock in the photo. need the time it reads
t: 2:44
